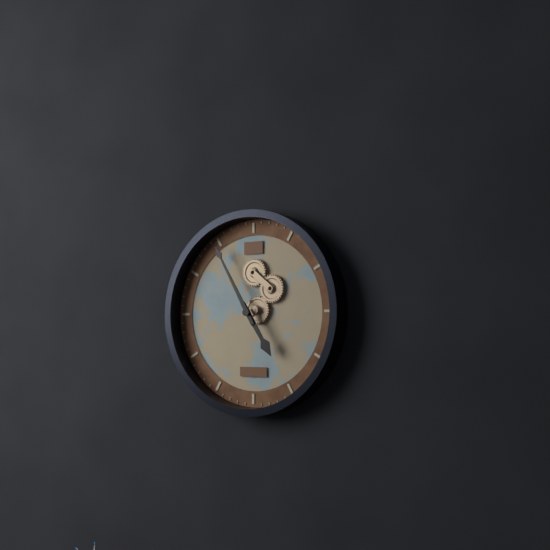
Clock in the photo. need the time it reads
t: 4:55
